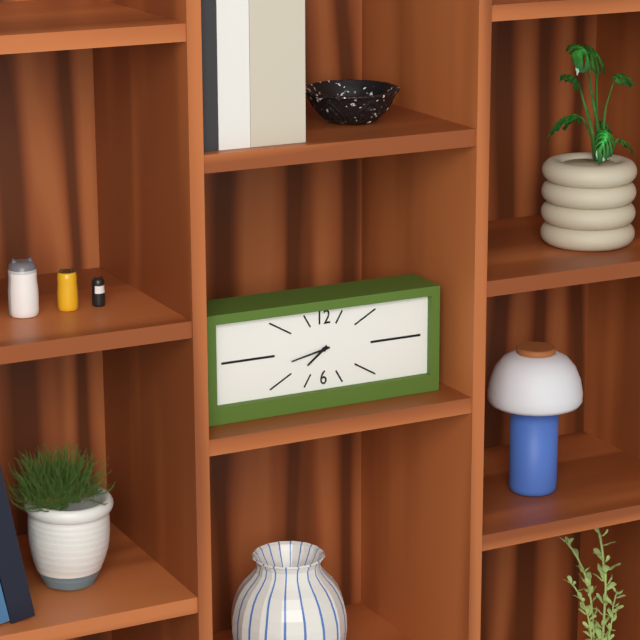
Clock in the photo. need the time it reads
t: 7:43
